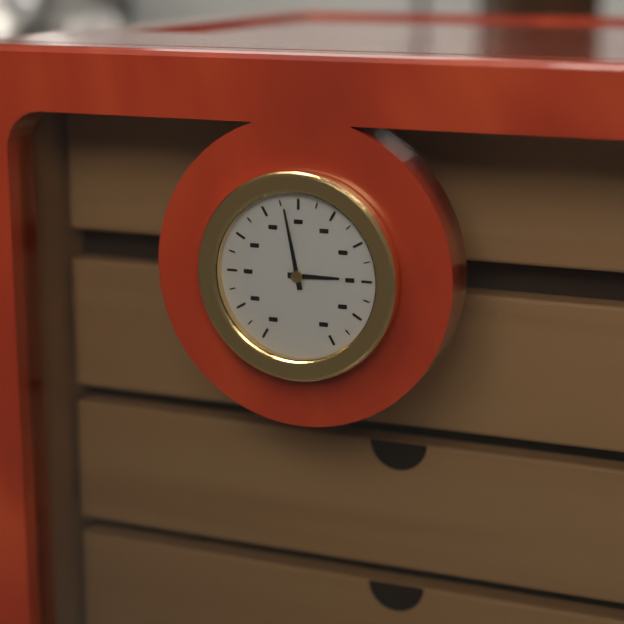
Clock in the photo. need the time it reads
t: 2:58
